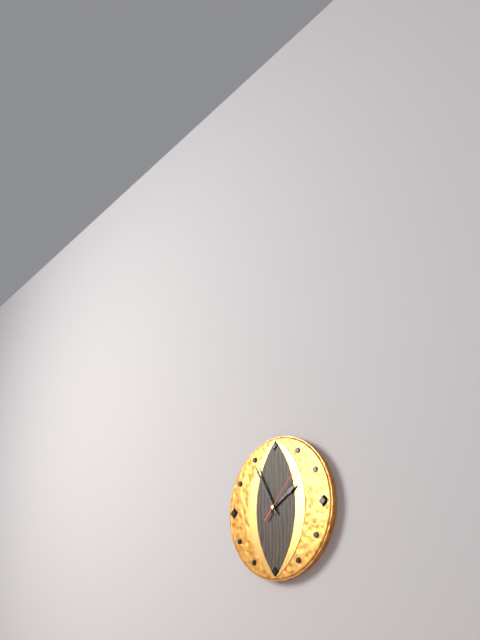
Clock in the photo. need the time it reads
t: 1:55:07
